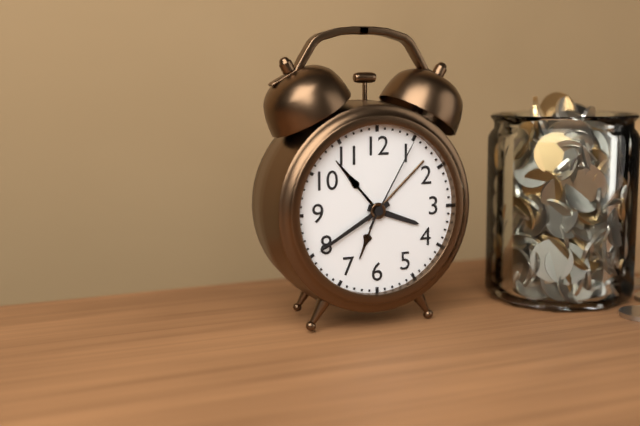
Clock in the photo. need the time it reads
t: 3:40:05
